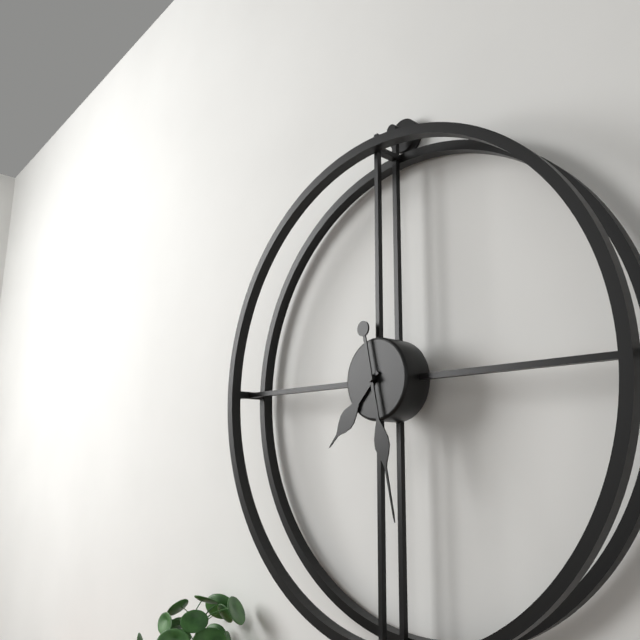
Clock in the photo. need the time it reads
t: 7:28
